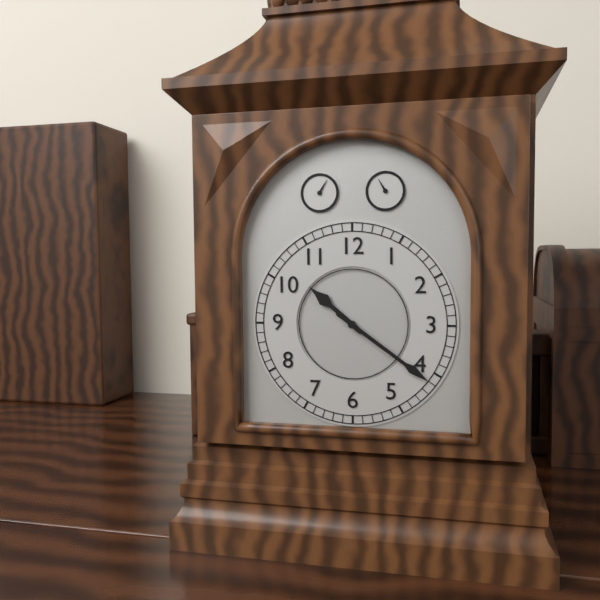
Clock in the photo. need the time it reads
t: 10:21
